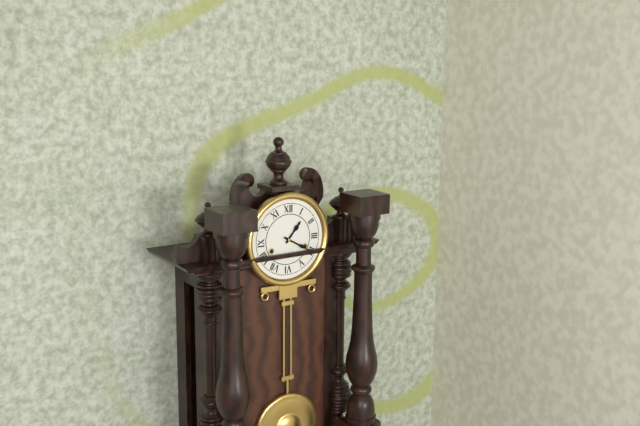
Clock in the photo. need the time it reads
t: 1:20
